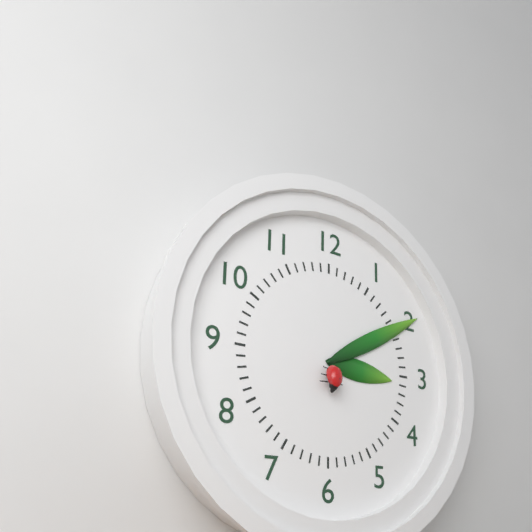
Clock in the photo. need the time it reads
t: 3:10
